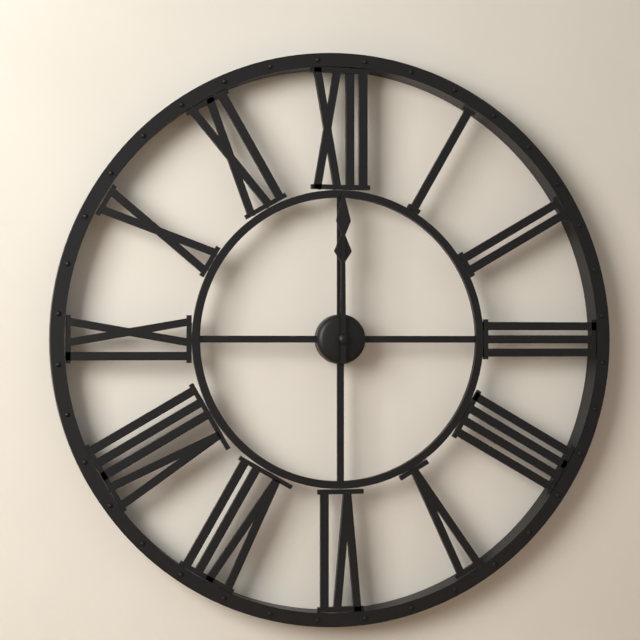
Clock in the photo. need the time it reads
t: 12:00
